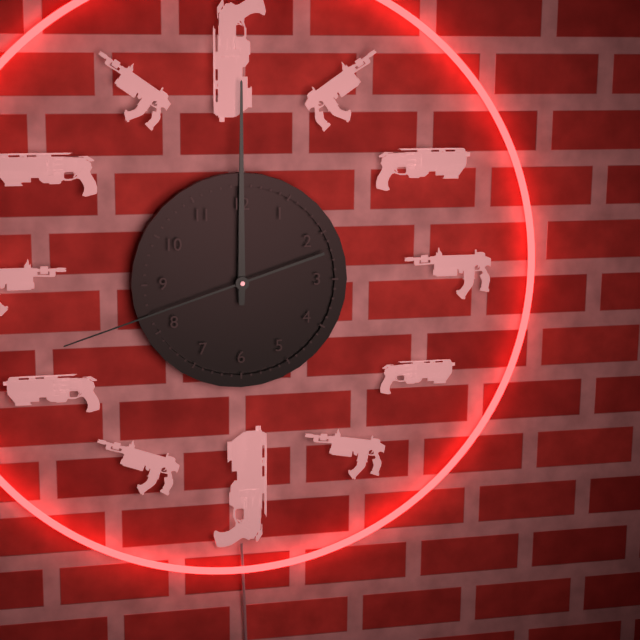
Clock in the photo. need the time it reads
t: 12:00:42
